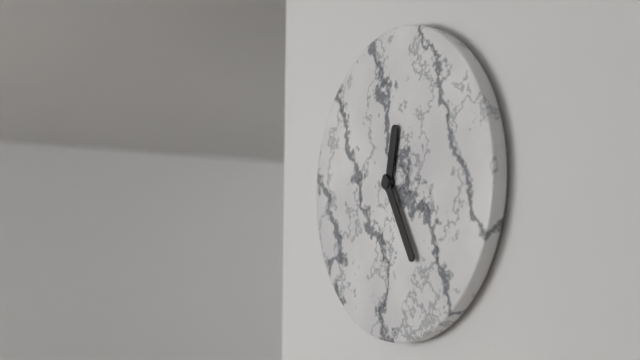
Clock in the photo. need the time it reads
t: 12:25
